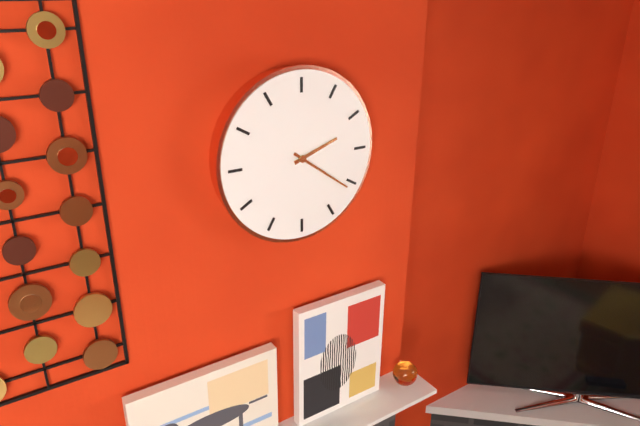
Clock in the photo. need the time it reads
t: 2:21
